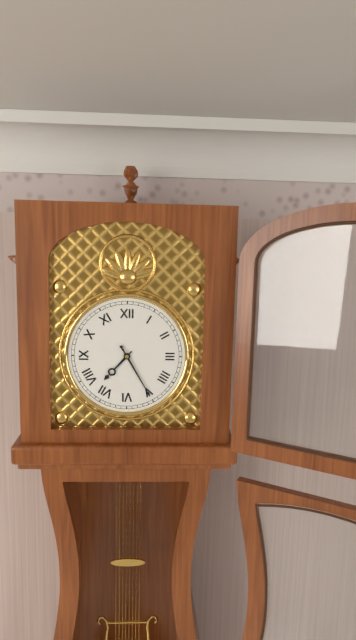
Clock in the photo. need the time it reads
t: 7:25
